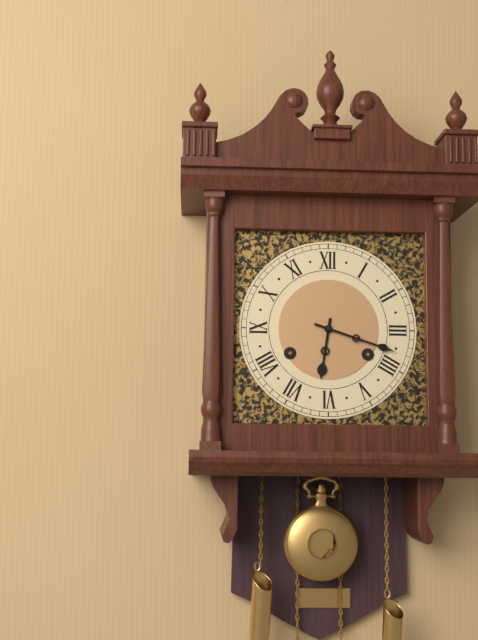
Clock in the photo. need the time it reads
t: 6:18
